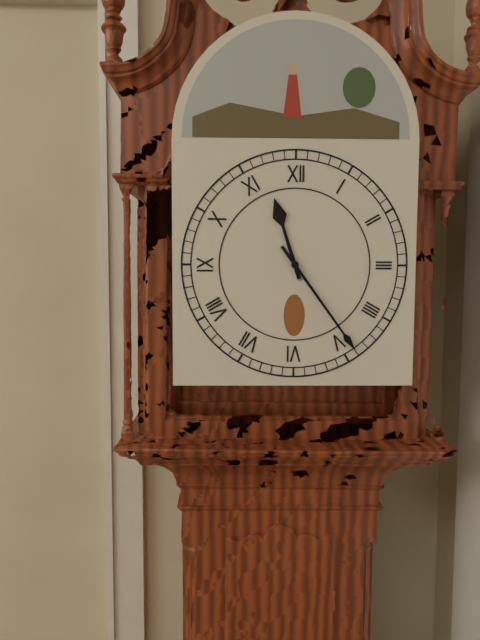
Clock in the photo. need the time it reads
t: 11:24
